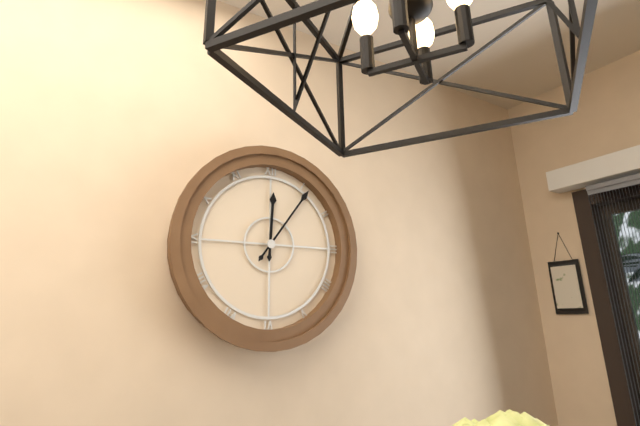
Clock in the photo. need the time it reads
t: 12:06
